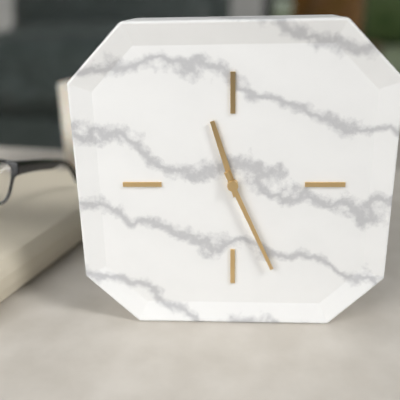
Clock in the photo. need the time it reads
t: 11:26
